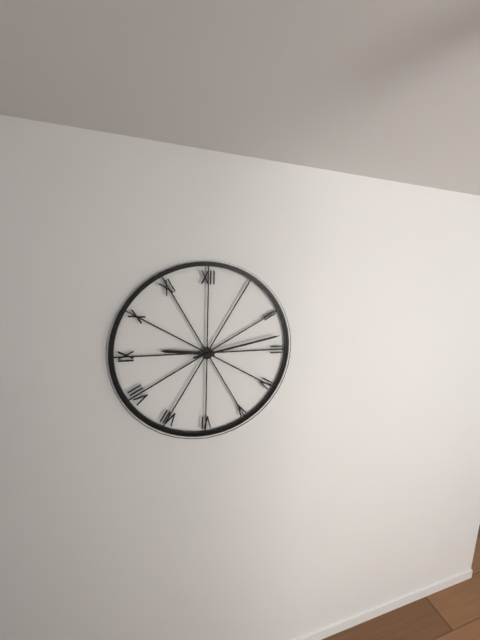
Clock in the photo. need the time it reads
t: 9:13
